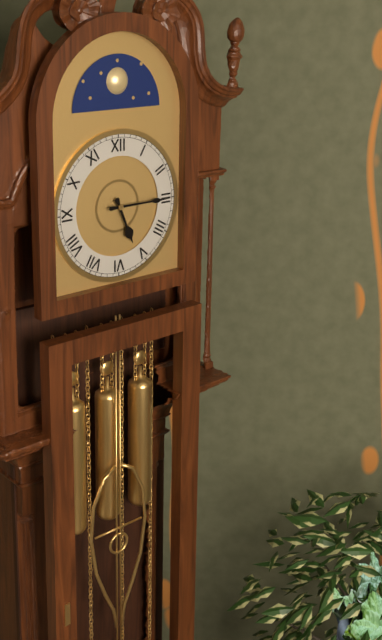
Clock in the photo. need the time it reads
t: 5:15
